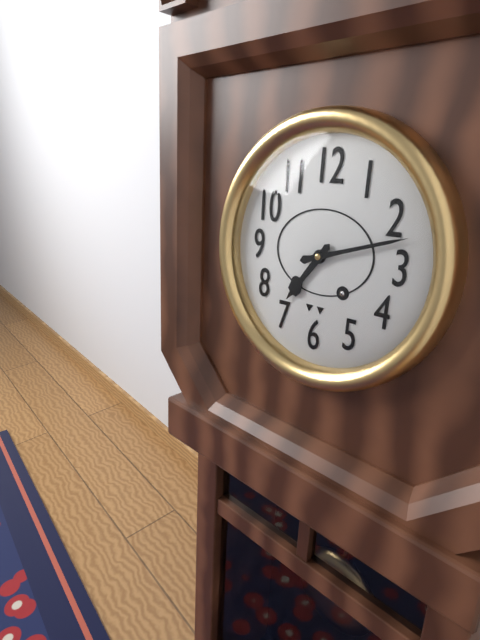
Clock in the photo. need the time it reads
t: 7:12
